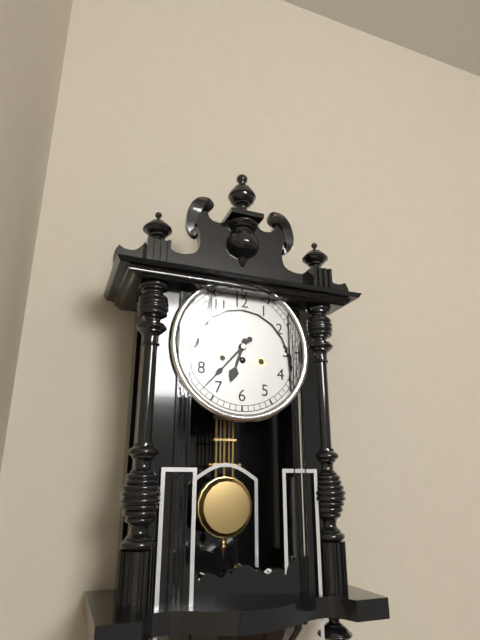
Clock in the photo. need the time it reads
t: 6:37
